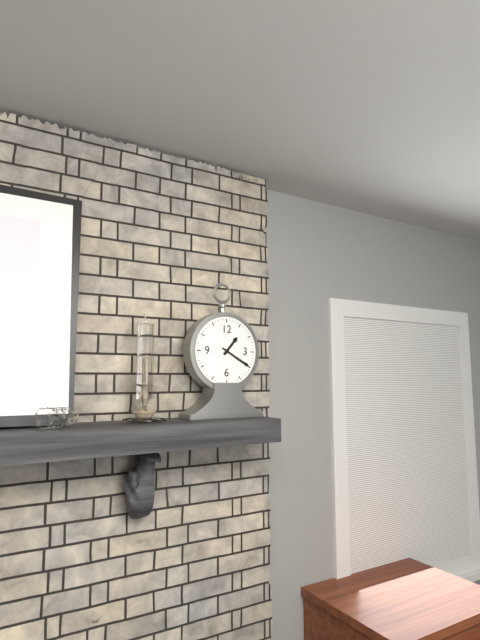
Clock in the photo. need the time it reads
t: 1:20
